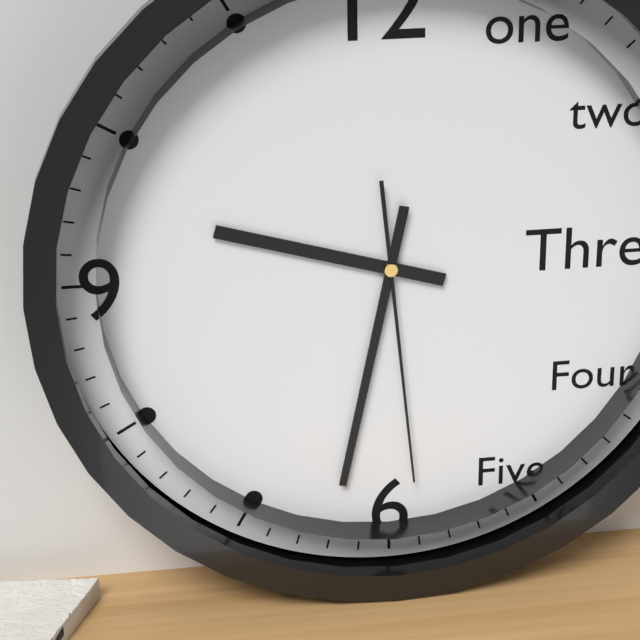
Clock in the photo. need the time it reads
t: 9:32:29
